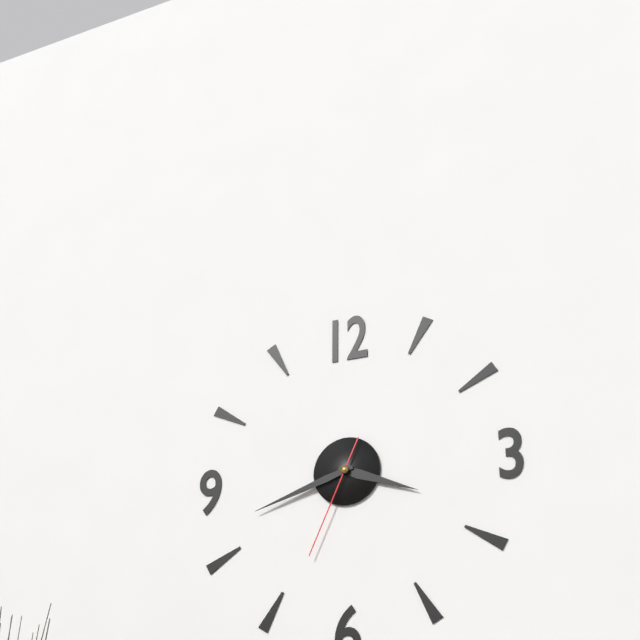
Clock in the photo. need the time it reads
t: 3:42:34
